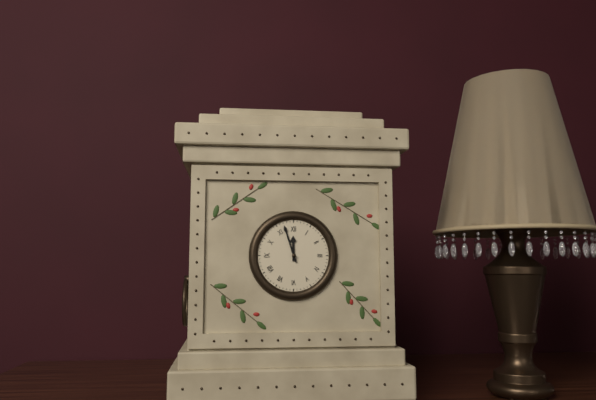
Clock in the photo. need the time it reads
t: 11:57
